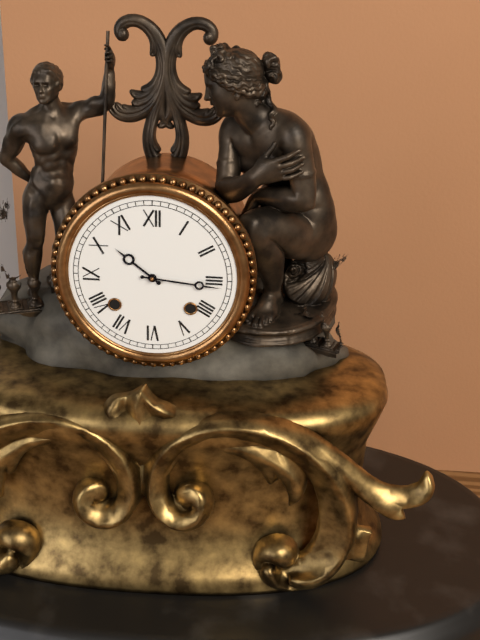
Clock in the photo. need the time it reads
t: 10:16
